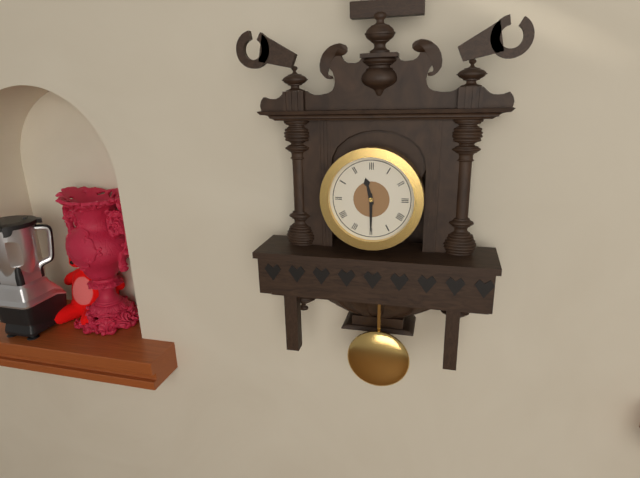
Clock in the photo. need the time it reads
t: 11:30
